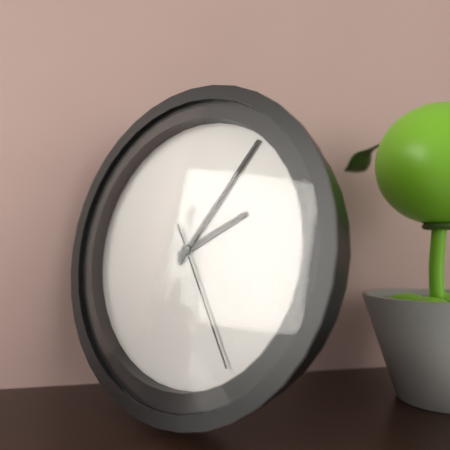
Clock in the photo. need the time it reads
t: 2:06:25
